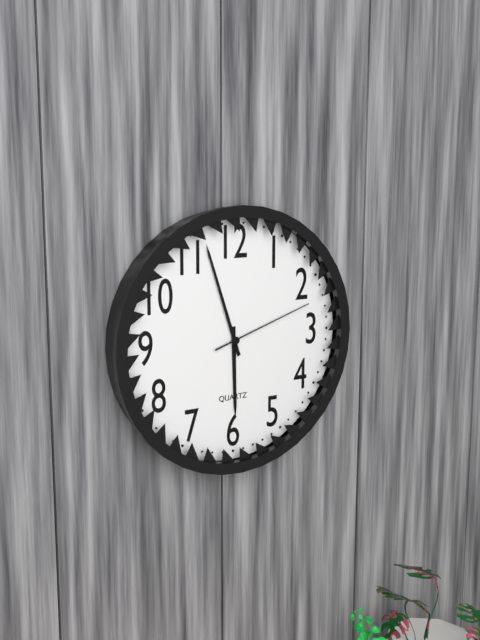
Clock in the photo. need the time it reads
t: 5:57:12
